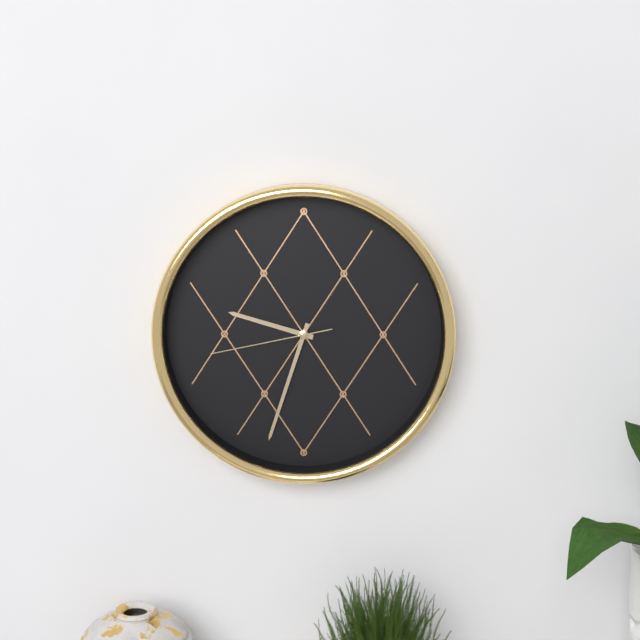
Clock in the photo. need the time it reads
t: 9:33:43
